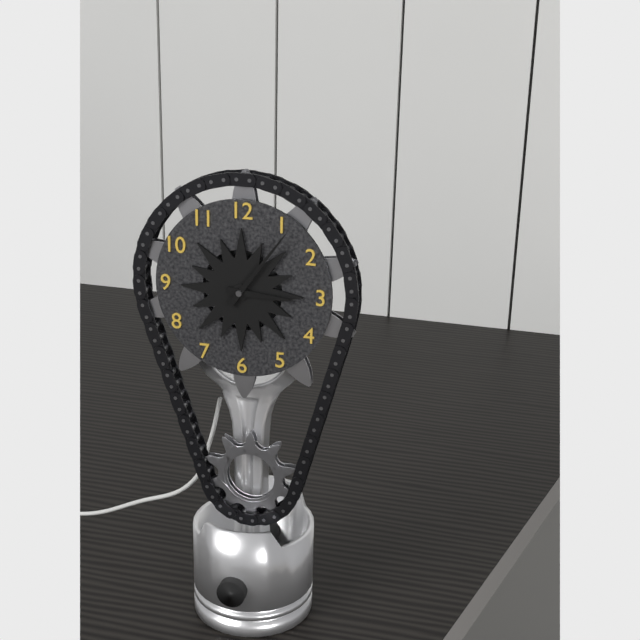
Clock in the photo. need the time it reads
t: 3:06
